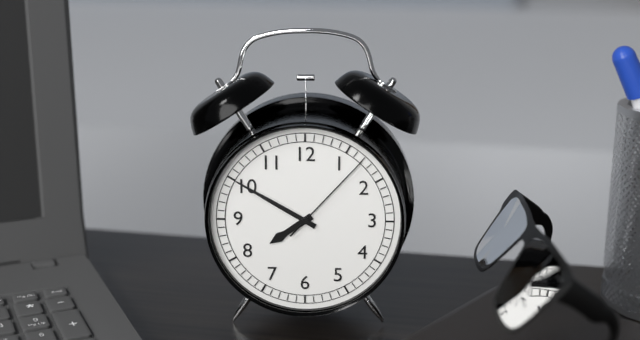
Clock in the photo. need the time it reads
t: 7:50:07
